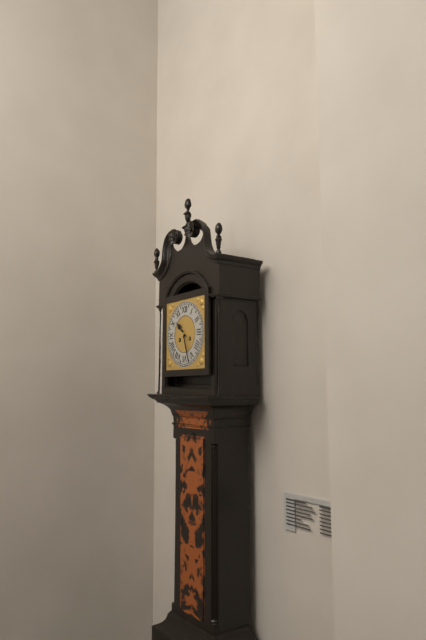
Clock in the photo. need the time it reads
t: 10:27
